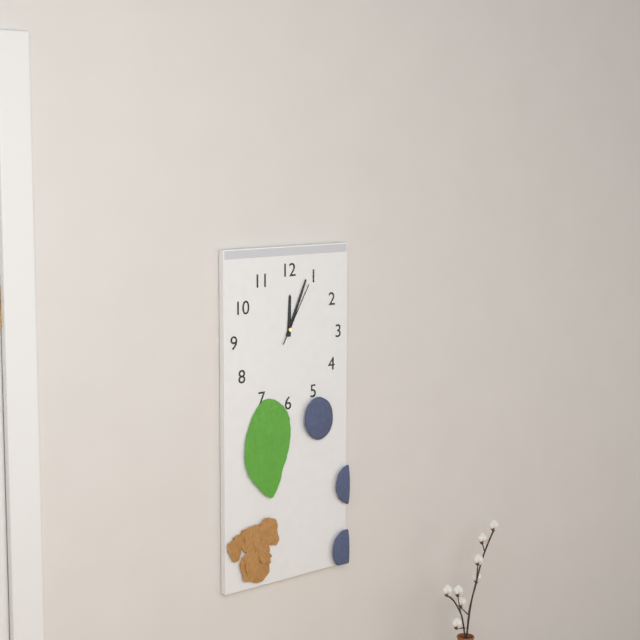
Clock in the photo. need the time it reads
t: 12:04:05
